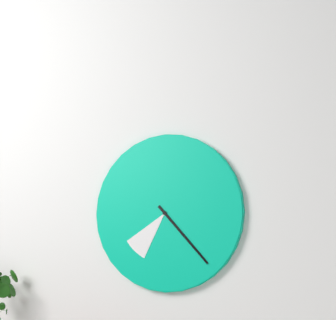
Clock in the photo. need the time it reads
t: 7:23
